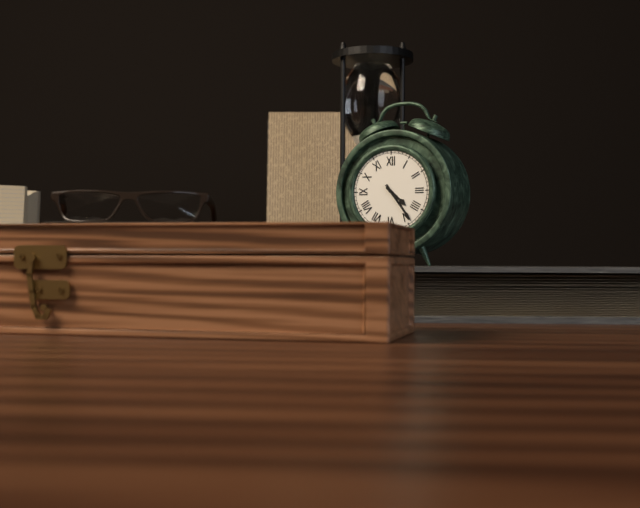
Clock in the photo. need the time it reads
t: 4:24
